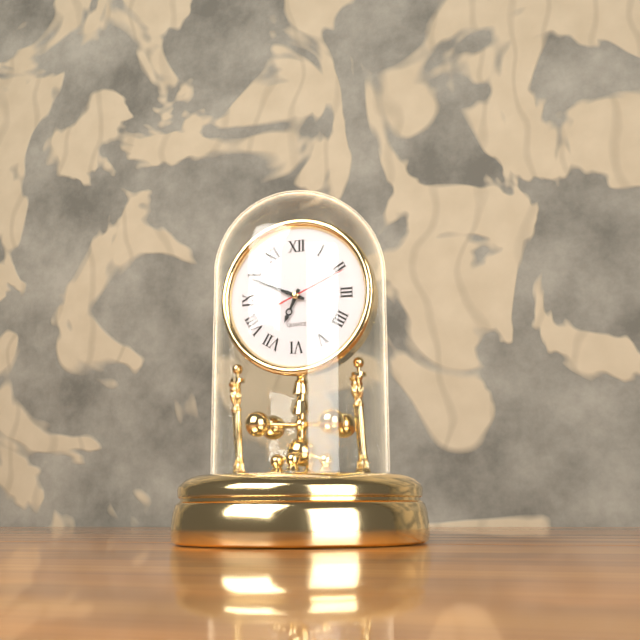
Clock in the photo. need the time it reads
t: 6:49:11
